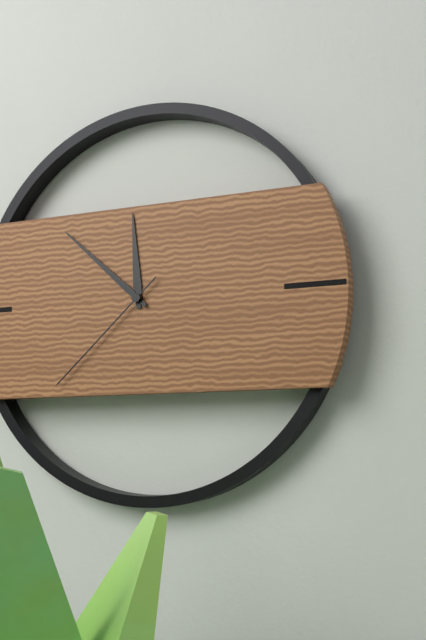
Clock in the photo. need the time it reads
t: 11:52:38
